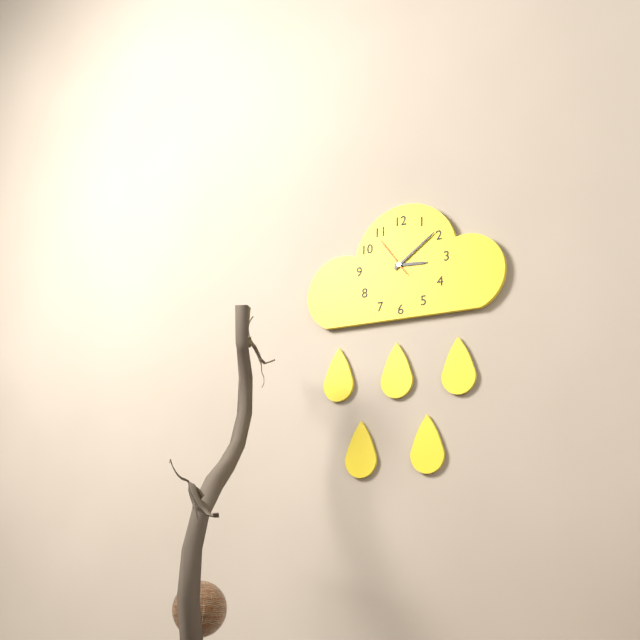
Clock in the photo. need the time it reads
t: 3:09
